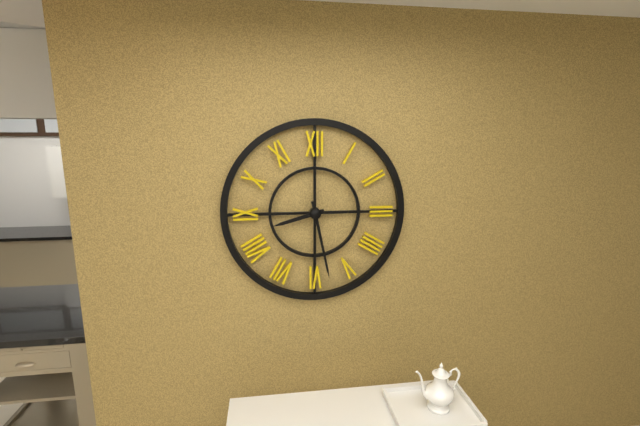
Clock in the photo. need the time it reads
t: 8:28
